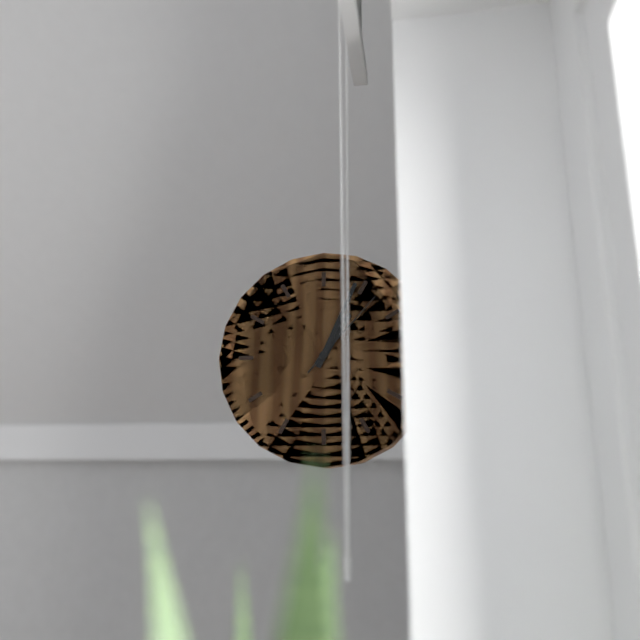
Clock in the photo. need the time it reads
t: 1:04:07
